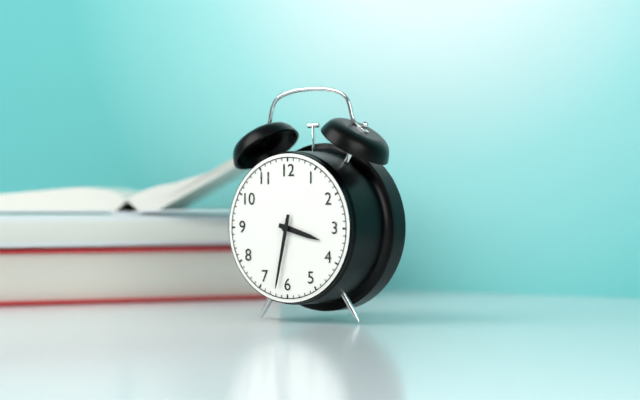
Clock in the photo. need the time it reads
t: 3:32
